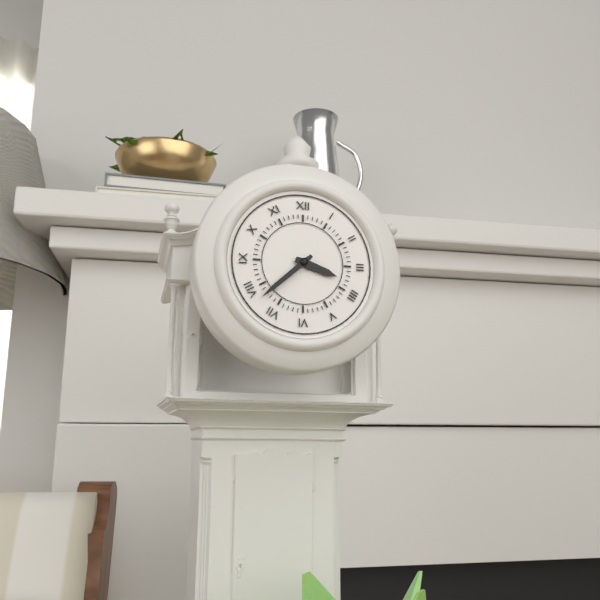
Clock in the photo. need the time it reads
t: 3:38
